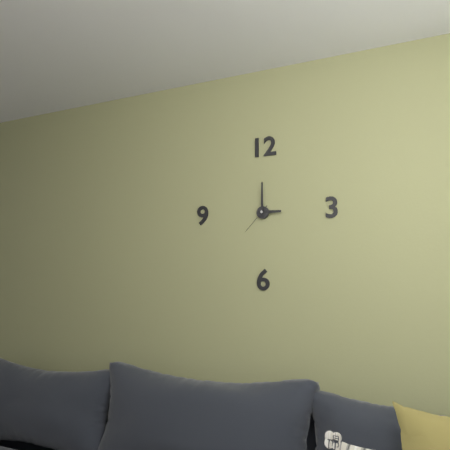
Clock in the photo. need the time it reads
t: 3:00
